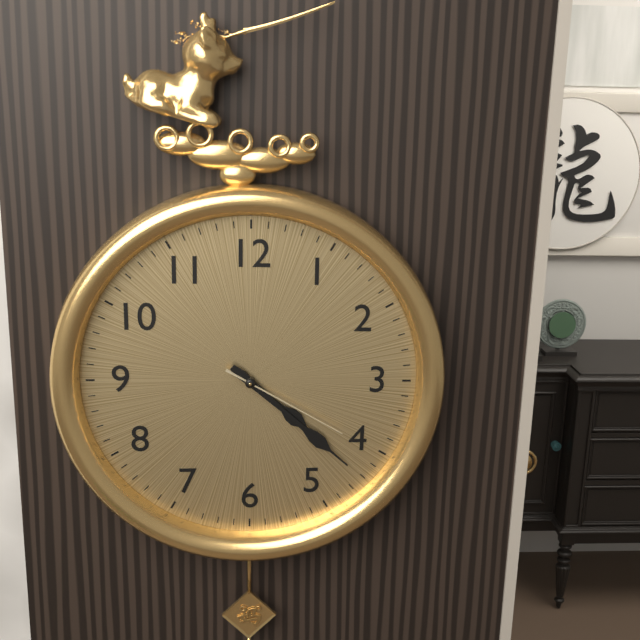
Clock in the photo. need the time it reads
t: 4:22:20
